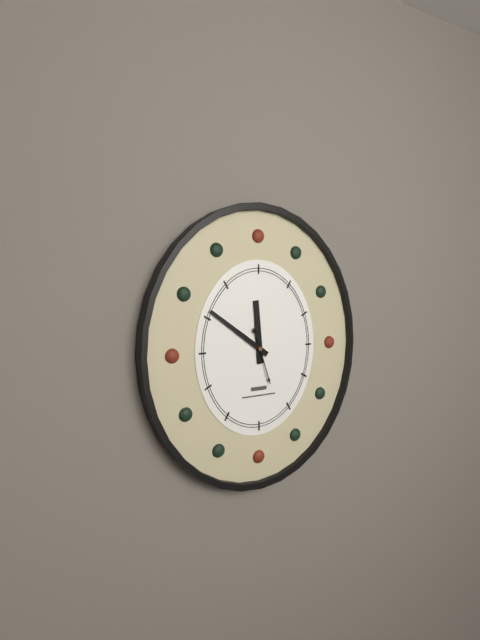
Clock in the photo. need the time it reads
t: 11:51
